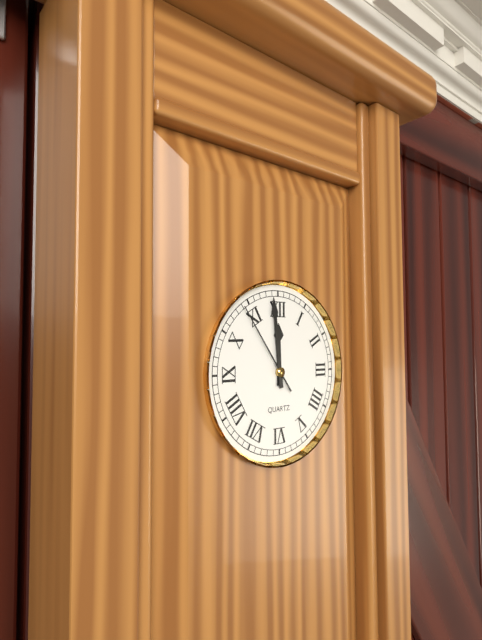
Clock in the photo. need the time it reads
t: 11:59:54
